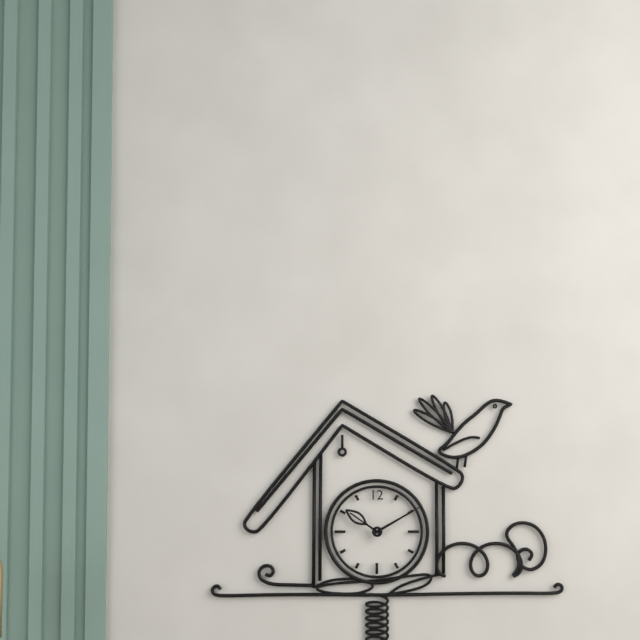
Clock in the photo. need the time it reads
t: 10:10
